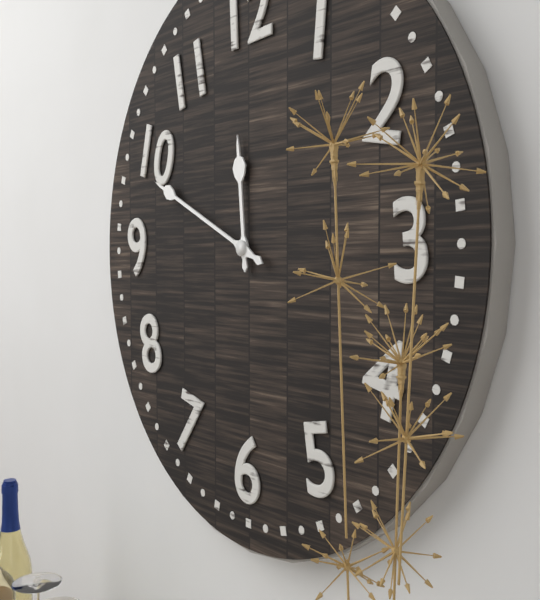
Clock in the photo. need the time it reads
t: 11:49
